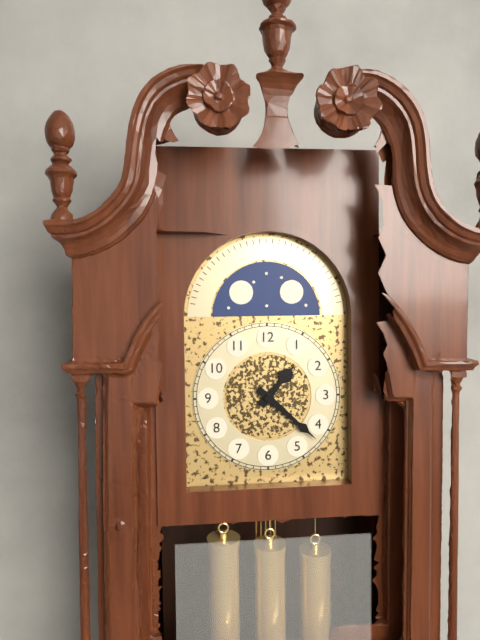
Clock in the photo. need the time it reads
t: 1:22
